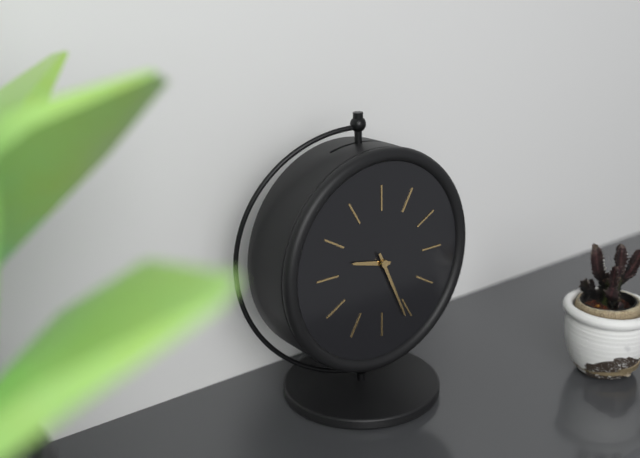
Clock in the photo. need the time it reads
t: 9:26
